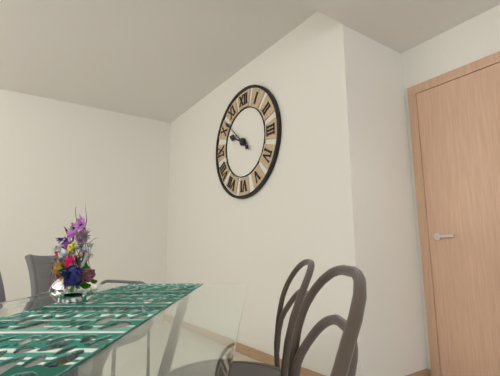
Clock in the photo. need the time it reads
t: 9:52
